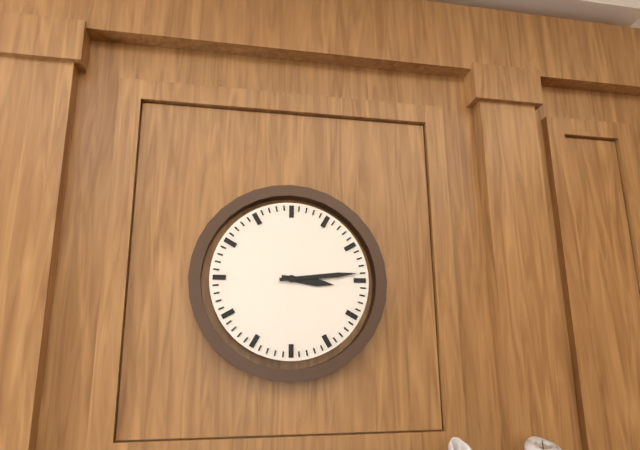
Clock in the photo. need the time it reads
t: 3:14
